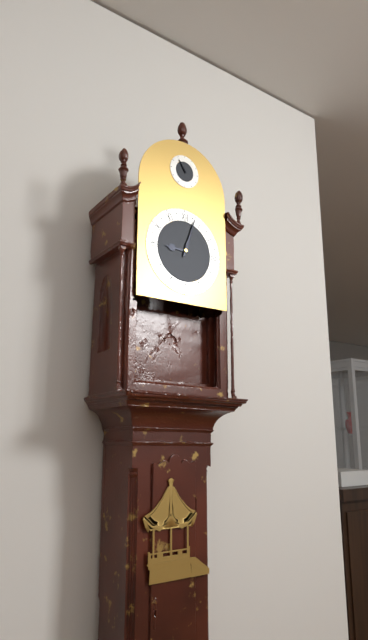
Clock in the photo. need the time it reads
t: 9:03
